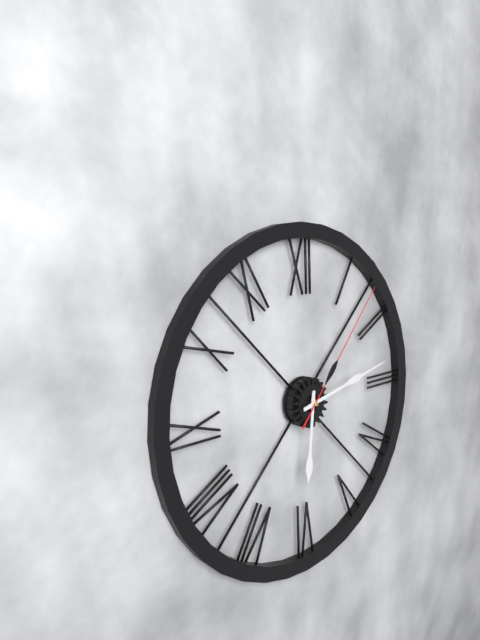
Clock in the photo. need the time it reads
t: 6:13:07
